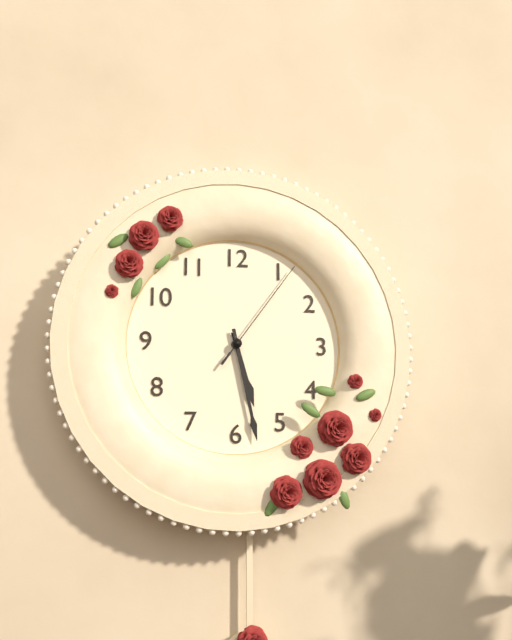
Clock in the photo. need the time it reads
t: 5:28:06
